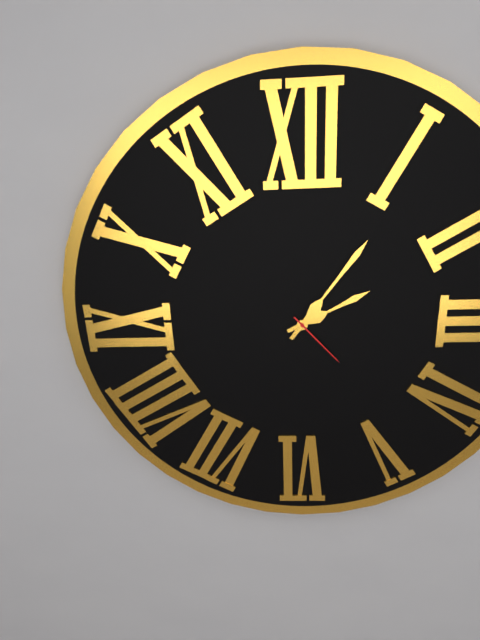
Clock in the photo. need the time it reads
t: 2:06:23
